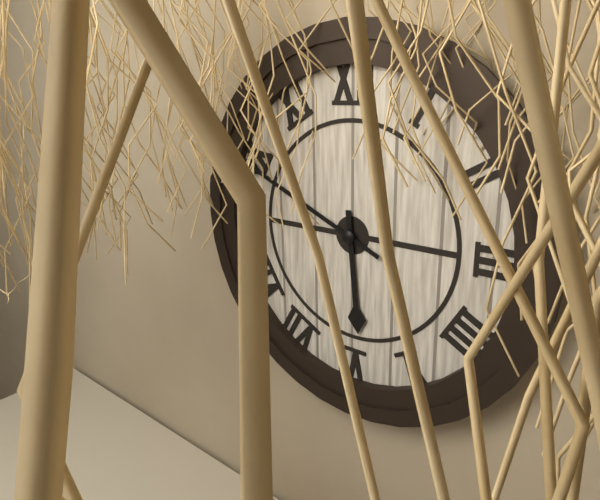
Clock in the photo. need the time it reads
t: 5:49
